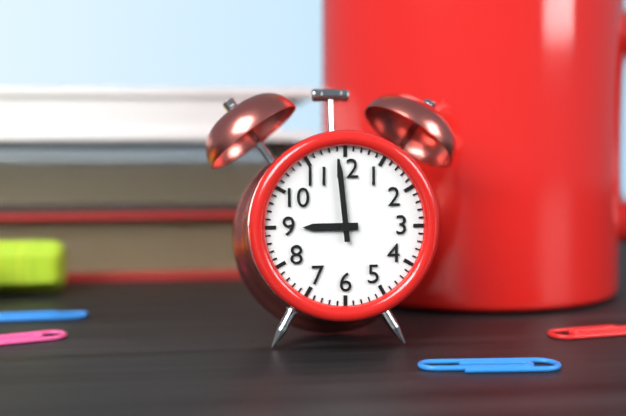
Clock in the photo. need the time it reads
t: 8:59
